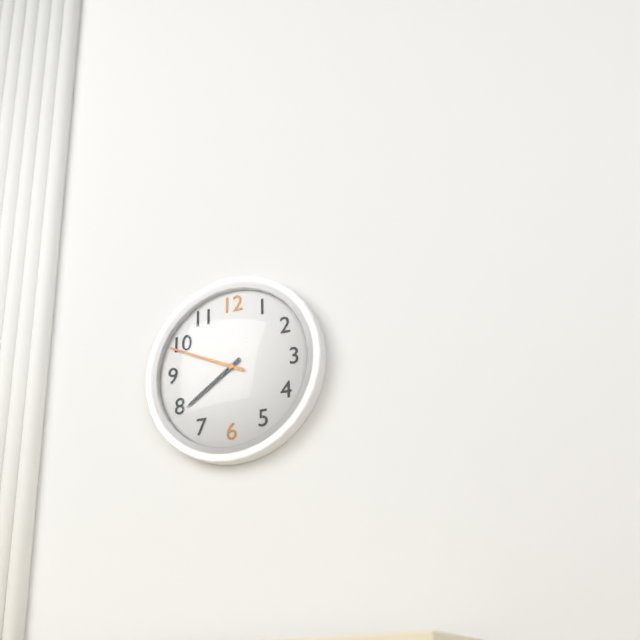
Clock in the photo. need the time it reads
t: 7:49
